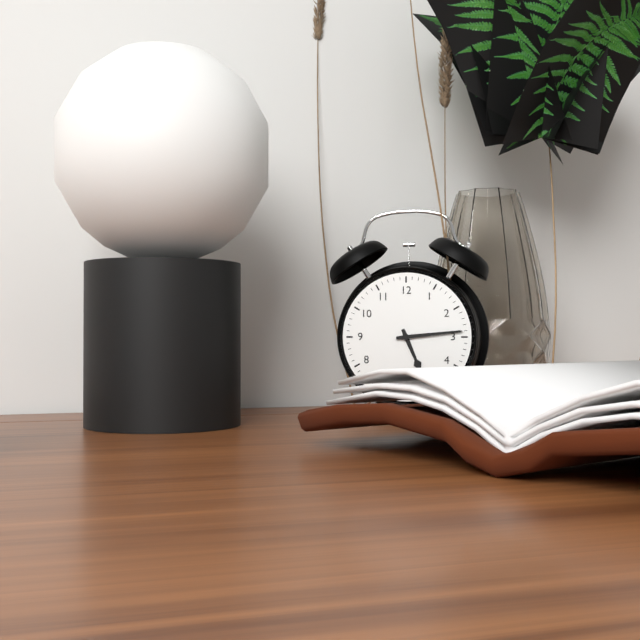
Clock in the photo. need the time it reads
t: 5:14
